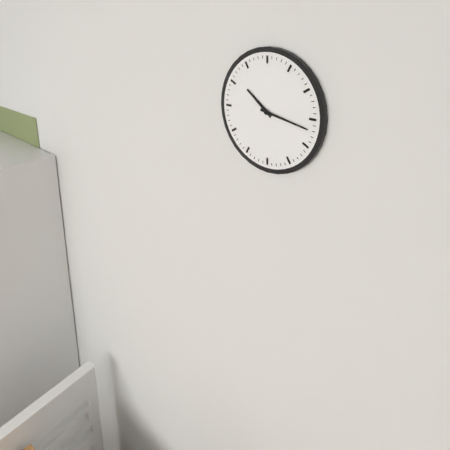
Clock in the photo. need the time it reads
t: 10:17
